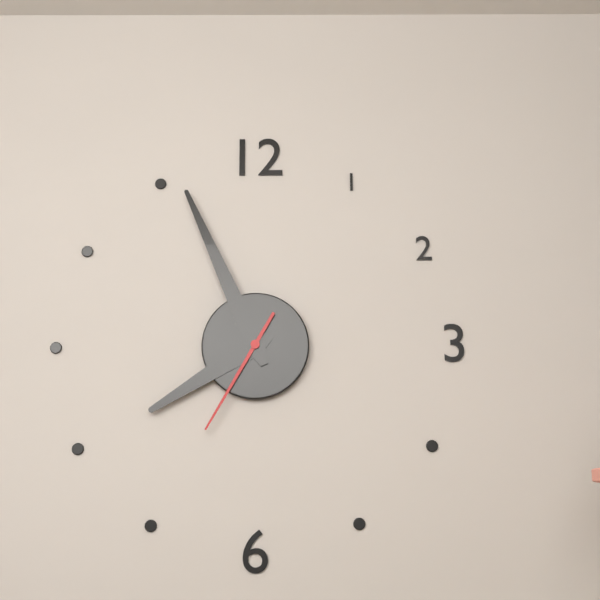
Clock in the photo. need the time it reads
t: 7:56:35
